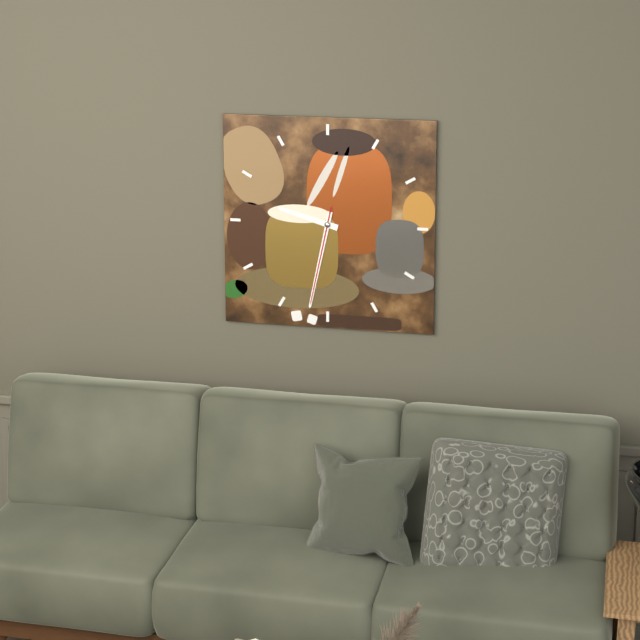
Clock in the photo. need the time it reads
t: 9:32:32
